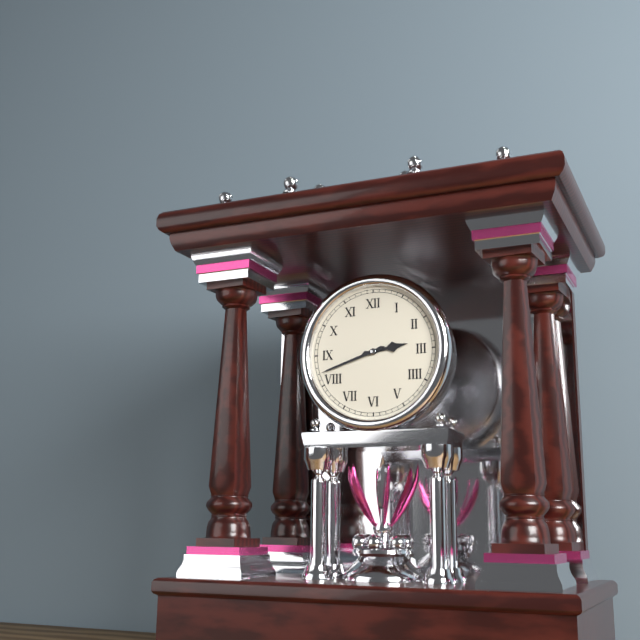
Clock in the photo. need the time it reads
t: 2:42
